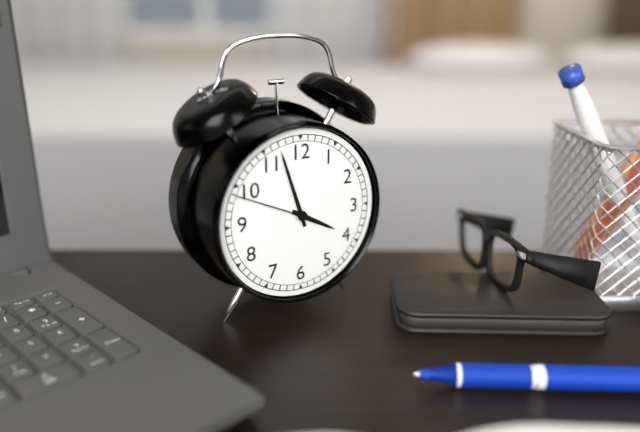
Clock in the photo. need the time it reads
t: 3:57:49
